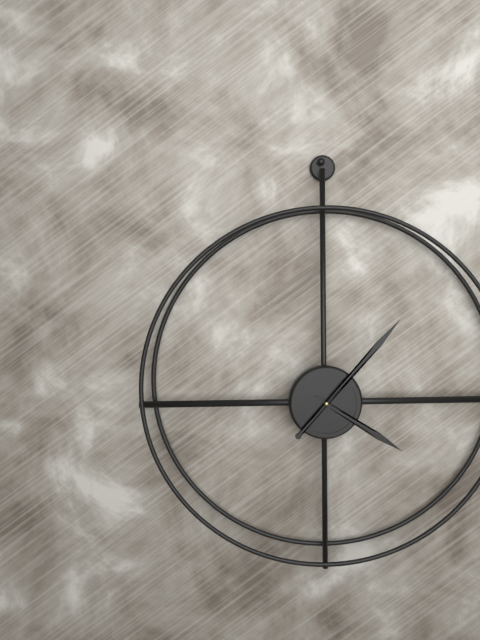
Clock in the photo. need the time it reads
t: 4:07
